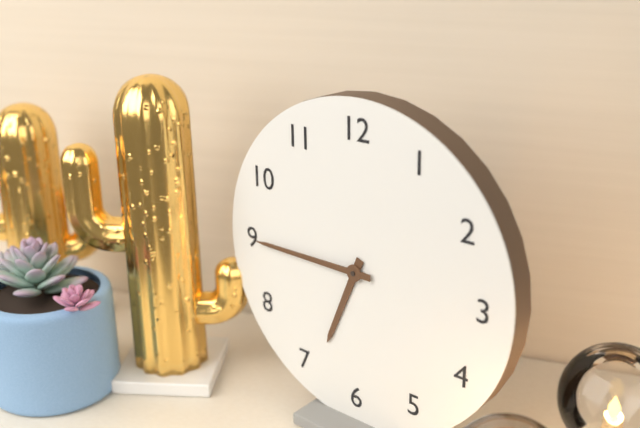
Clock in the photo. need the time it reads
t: 6:45
